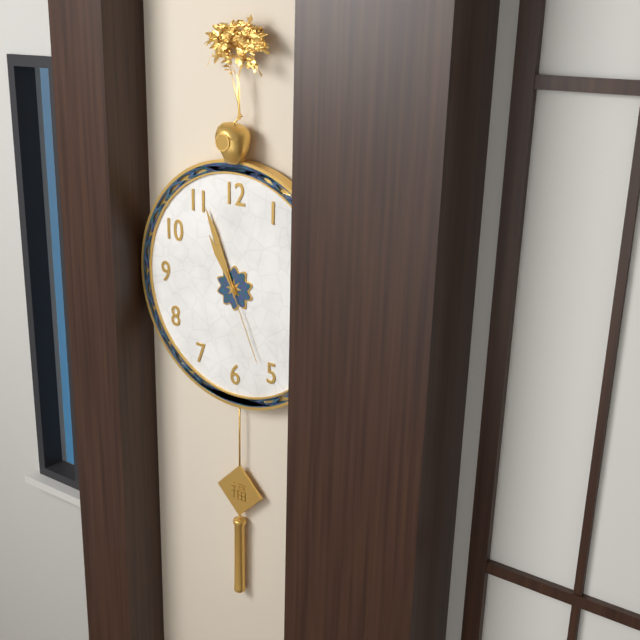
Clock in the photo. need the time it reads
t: 10:56:26
